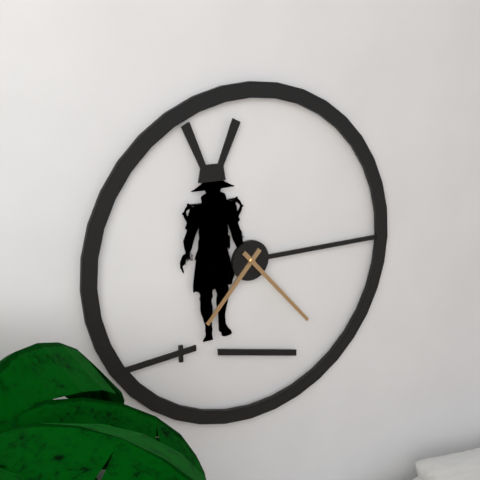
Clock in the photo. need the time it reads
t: 7:23
